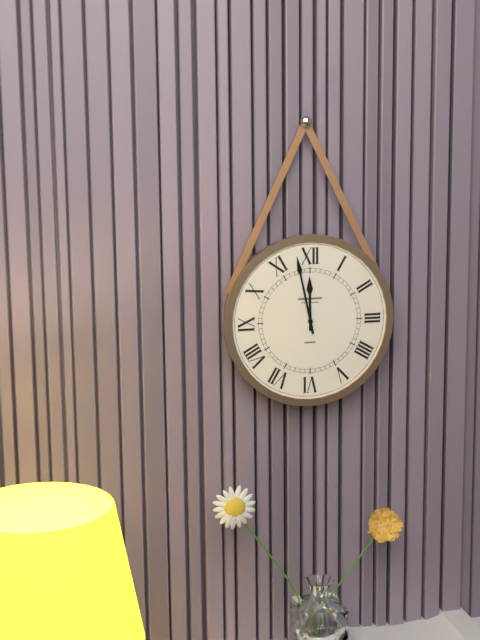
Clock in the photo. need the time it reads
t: 11:58
